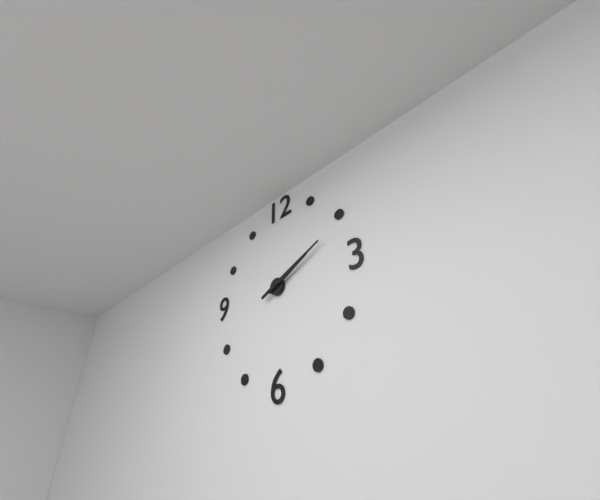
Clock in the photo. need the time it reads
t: 2:11
